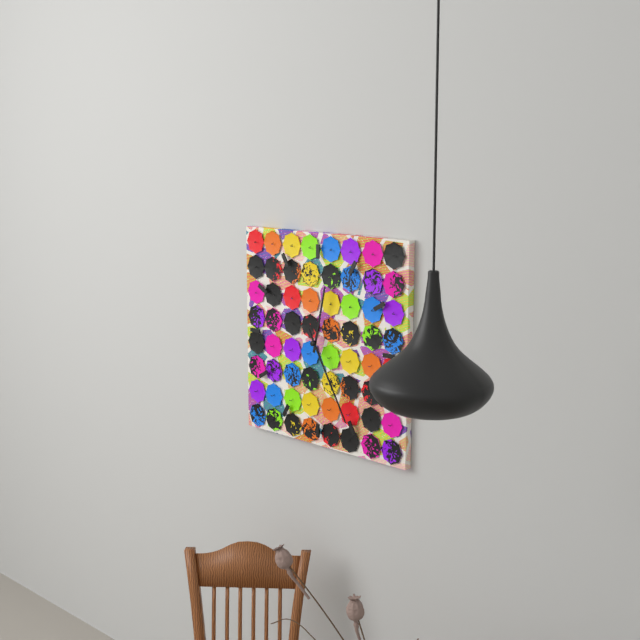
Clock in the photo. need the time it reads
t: 12:25
